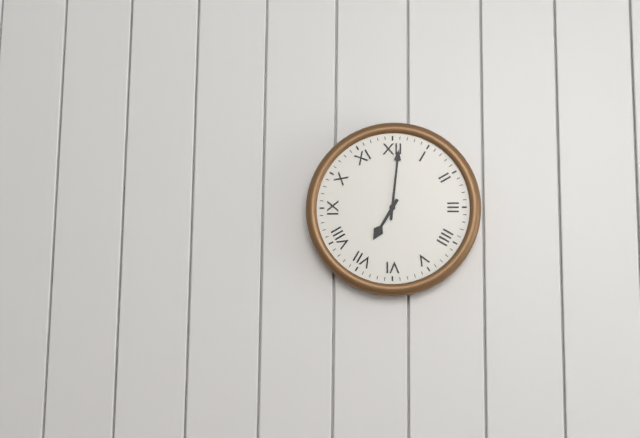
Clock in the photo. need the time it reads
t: 7:01
